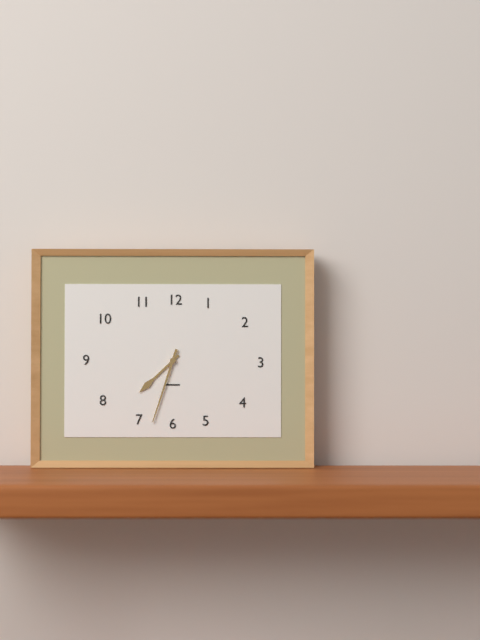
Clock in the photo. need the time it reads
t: 7:33
